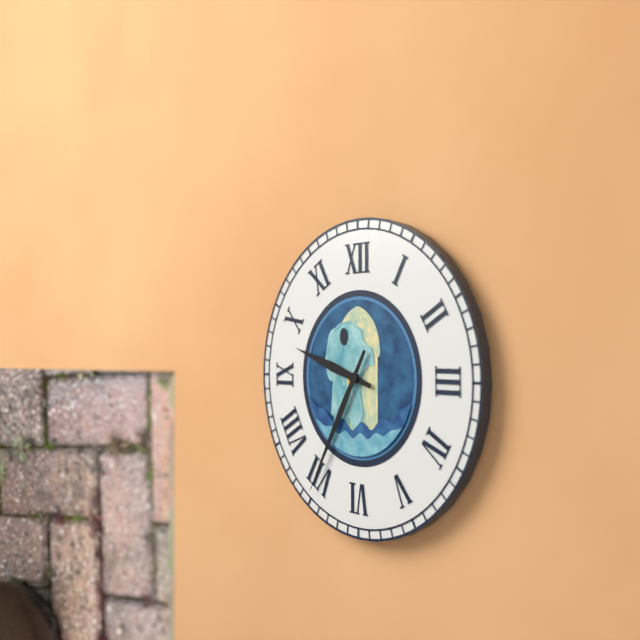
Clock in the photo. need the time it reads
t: 9:35
